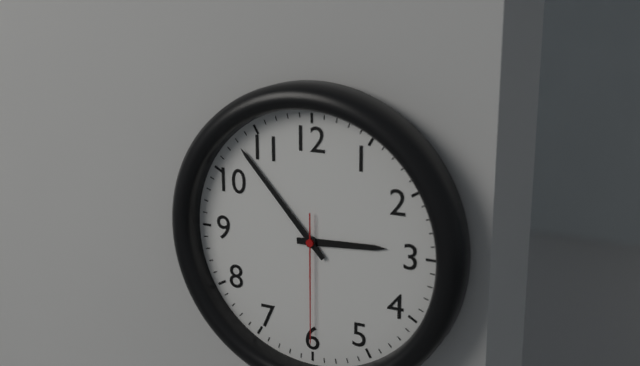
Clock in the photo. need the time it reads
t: 2:53:30
